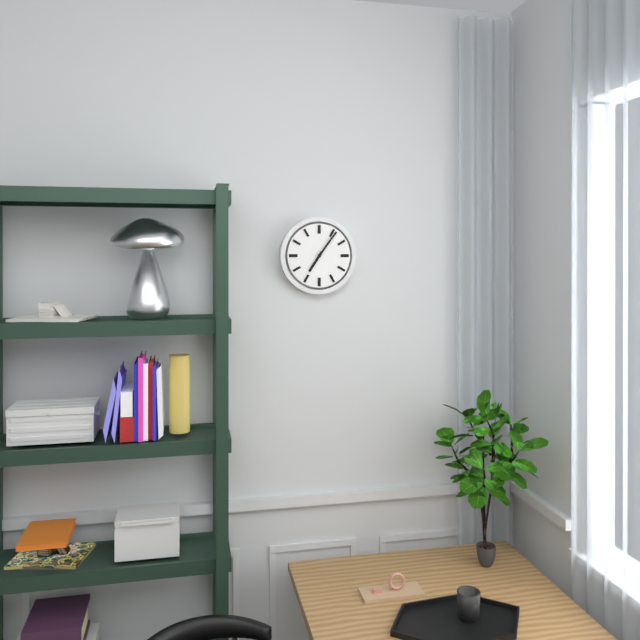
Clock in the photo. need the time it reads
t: 7:06
